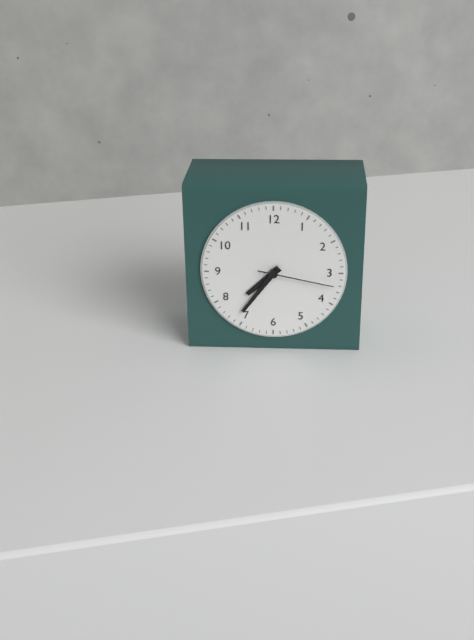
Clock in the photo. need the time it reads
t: 7:36:17
